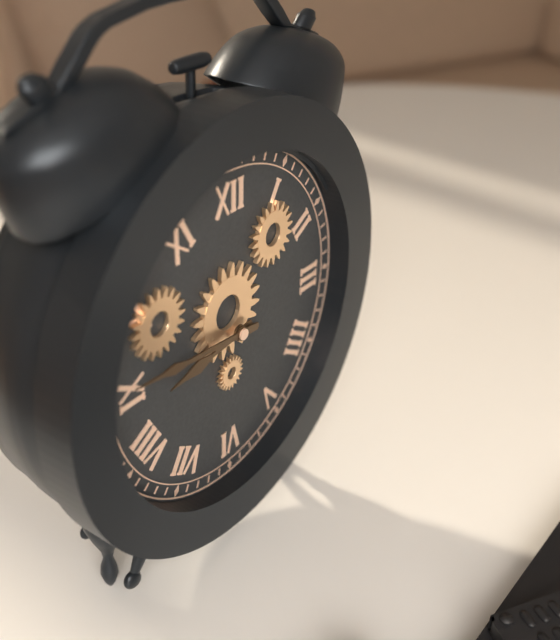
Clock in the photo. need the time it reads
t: 8:46
